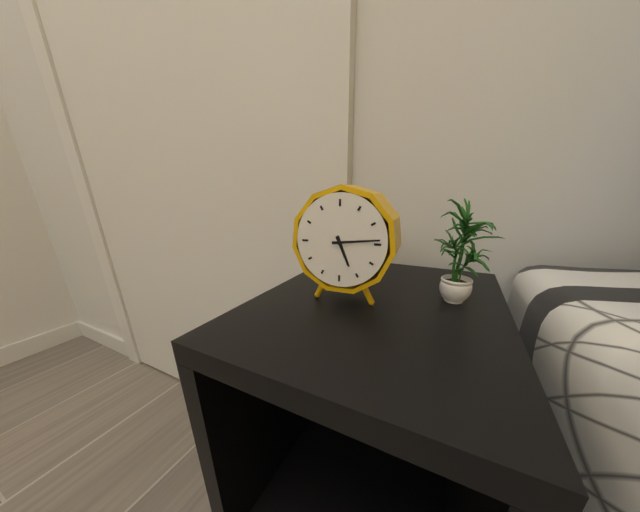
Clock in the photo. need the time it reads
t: 5:14
